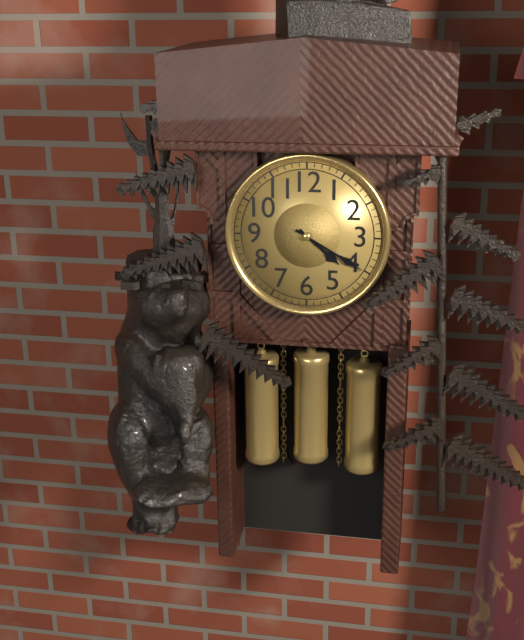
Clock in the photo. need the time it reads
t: 4:20
